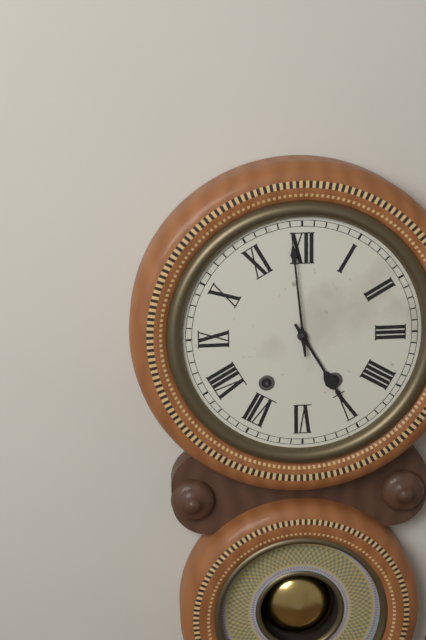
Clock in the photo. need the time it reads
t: 4:59
